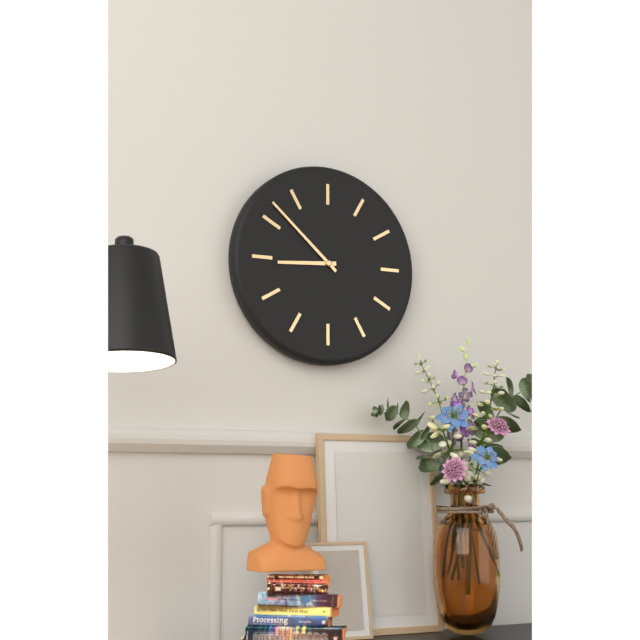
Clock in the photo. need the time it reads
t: 8:52
